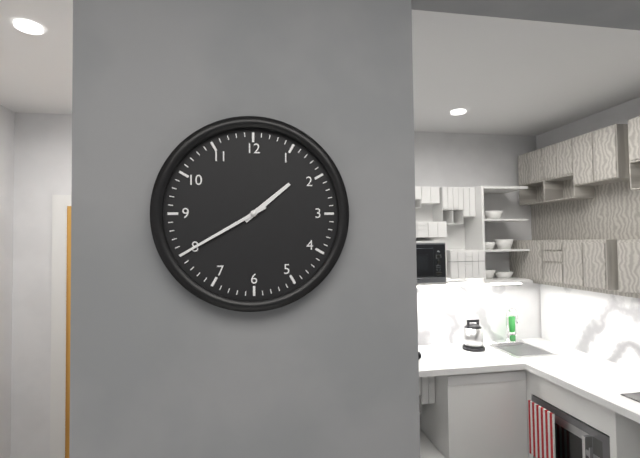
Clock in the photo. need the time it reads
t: 1:40
